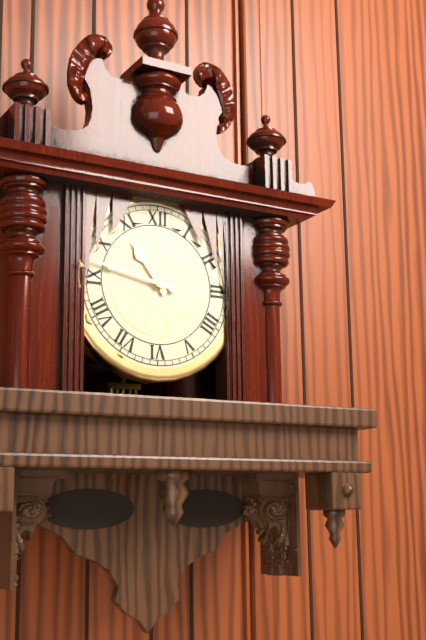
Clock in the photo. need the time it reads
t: 10:47
